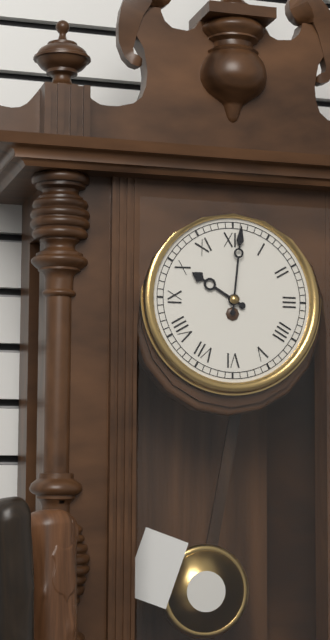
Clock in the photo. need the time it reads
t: 10:01
